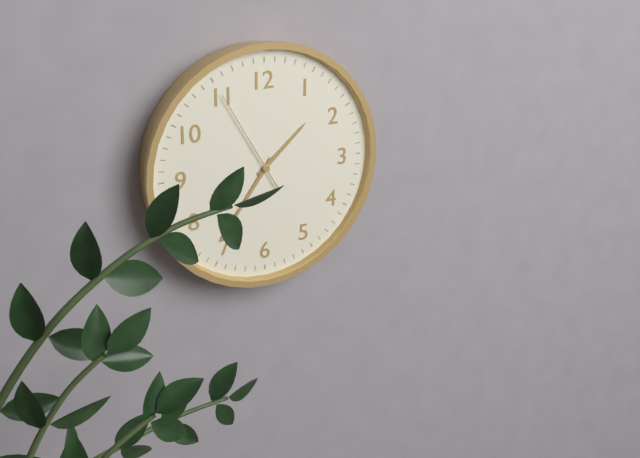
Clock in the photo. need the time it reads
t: 1:36:55
